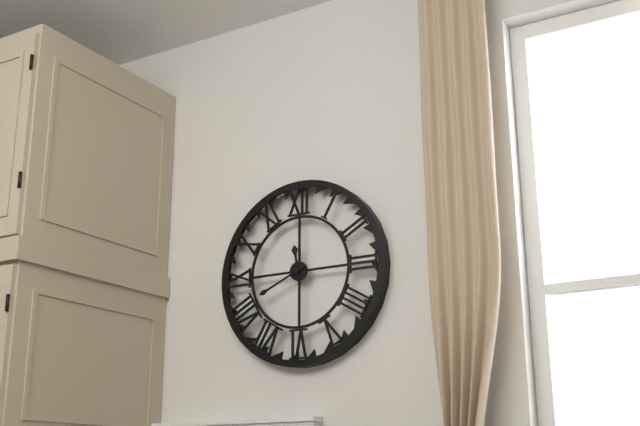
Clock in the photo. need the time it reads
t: 11:41
